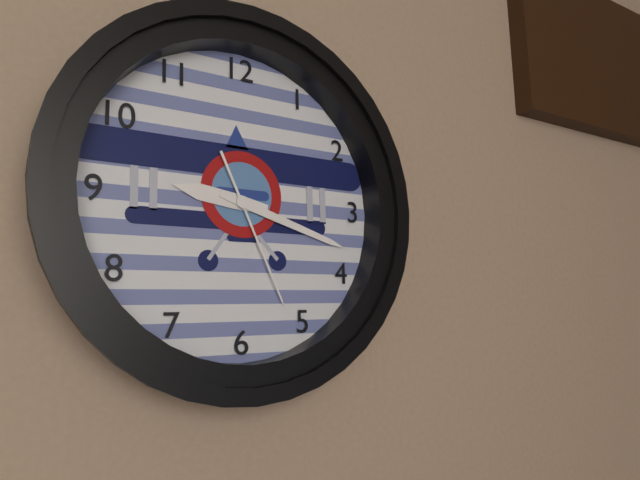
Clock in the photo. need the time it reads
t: 9:18:26
